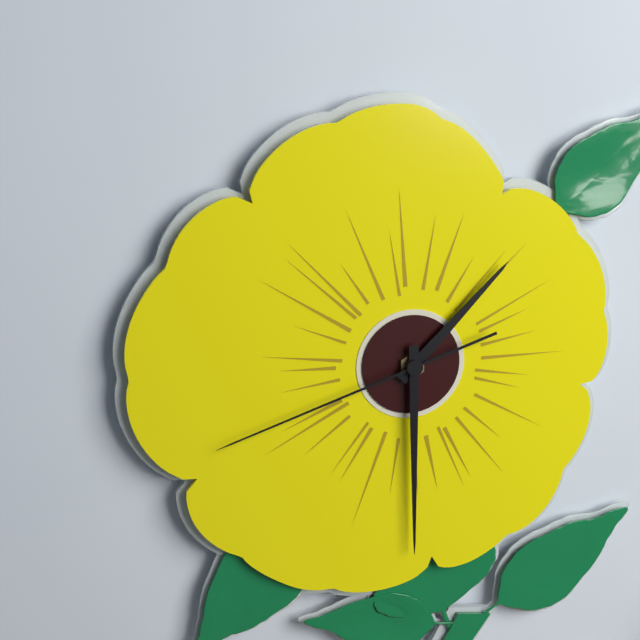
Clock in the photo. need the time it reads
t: 1:30:42
